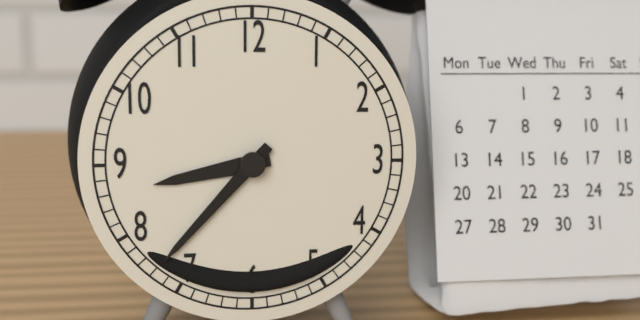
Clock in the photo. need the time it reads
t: 8:37
